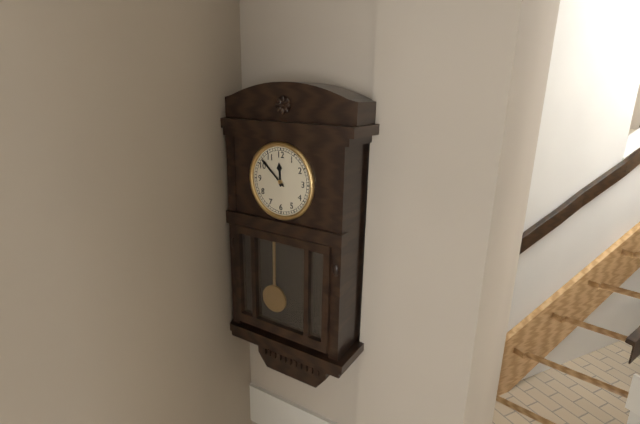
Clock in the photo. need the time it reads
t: 11:52
